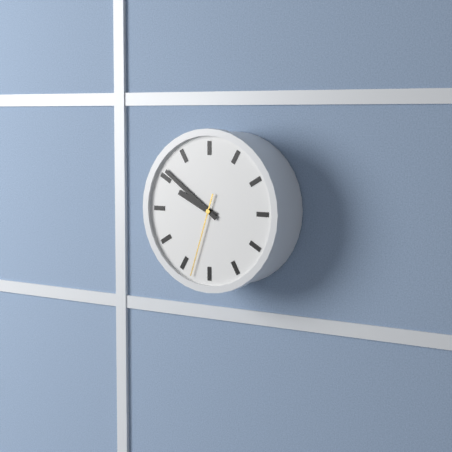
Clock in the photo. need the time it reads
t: 9:51:33
